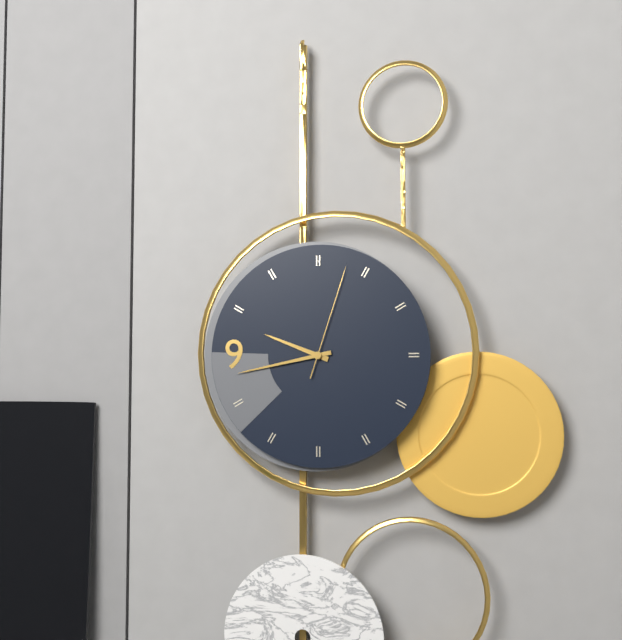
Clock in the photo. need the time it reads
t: 9:43:03
